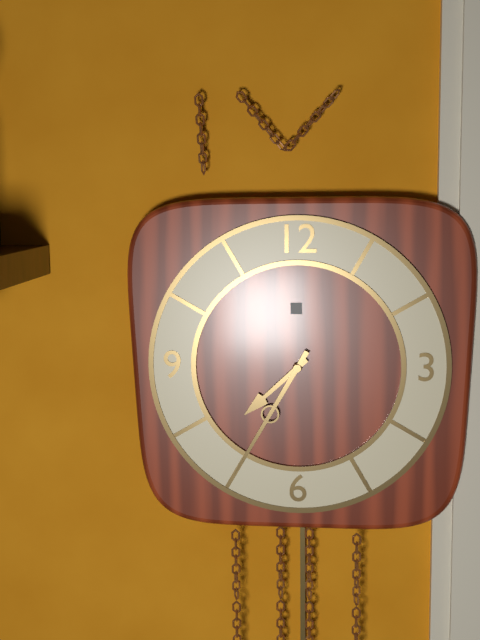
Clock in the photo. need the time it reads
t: 7:35
